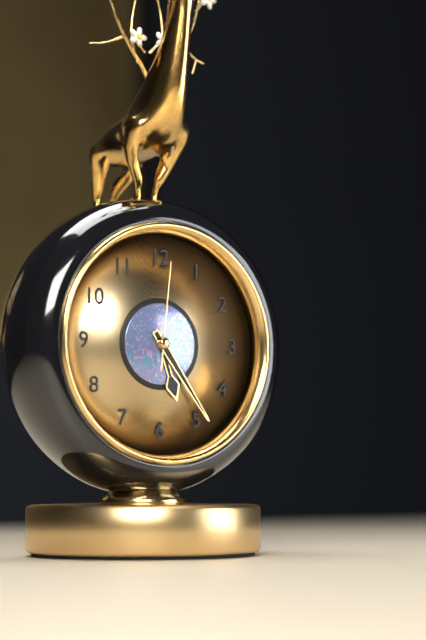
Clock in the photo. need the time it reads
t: 5:24:01
